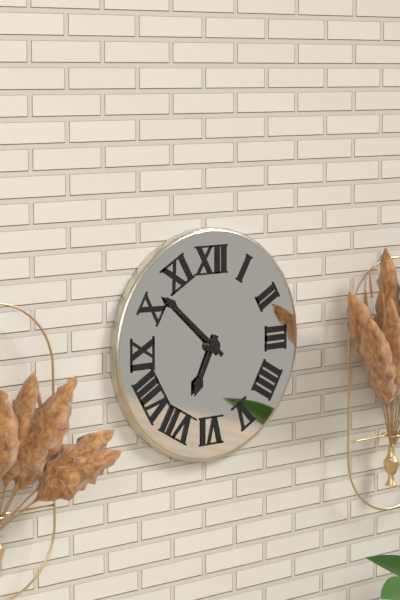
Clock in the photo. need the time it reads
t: 6:52
